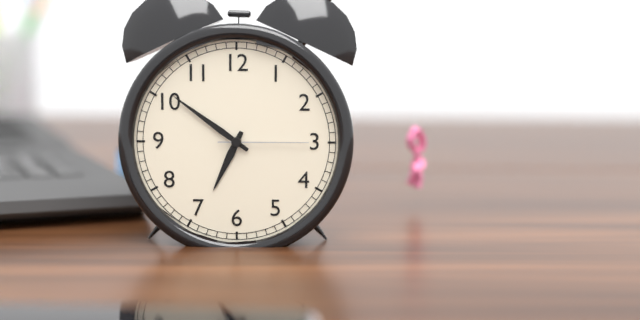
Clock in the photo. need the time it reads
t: 6:51:15
